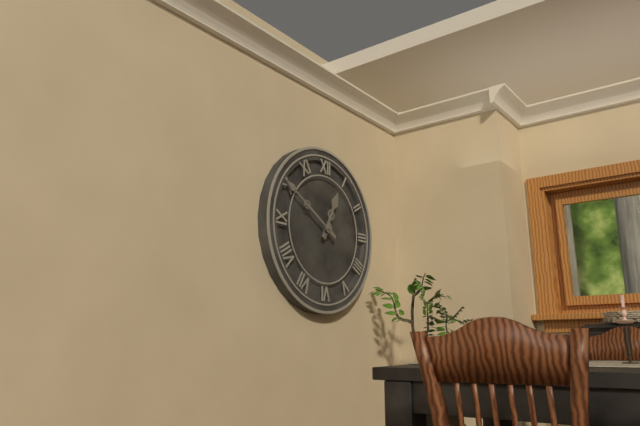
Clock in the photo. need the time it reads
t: 12:50
